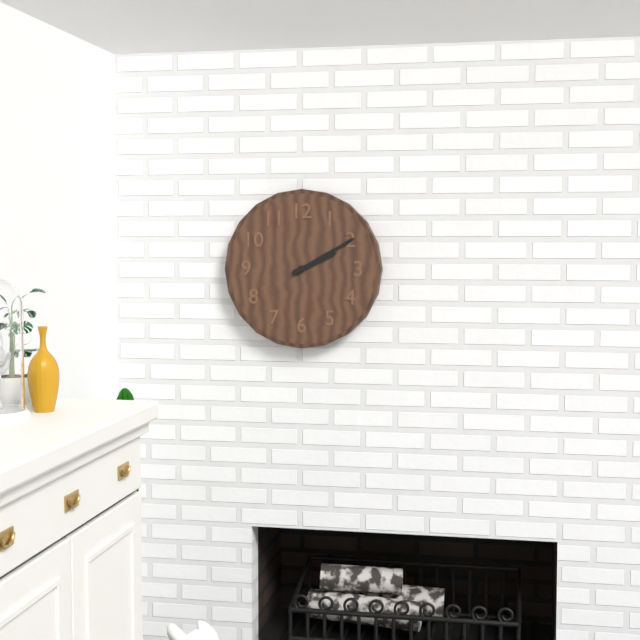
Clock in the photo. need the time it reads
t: 2:10
